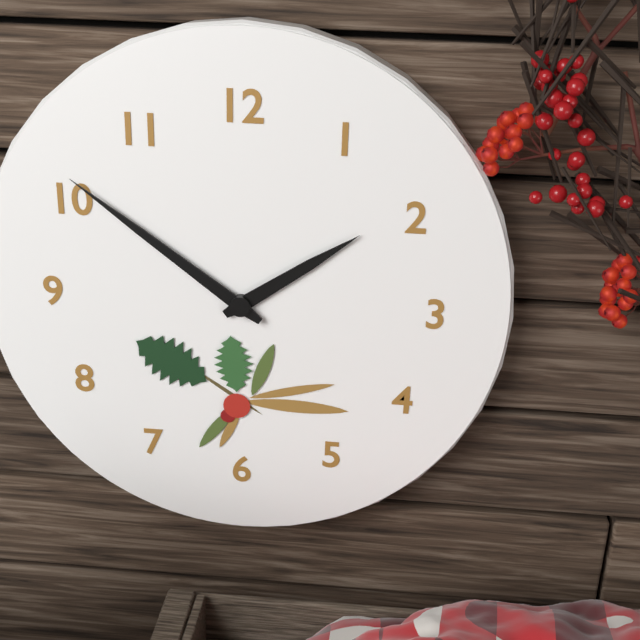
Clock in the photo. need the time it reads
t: 1:51
